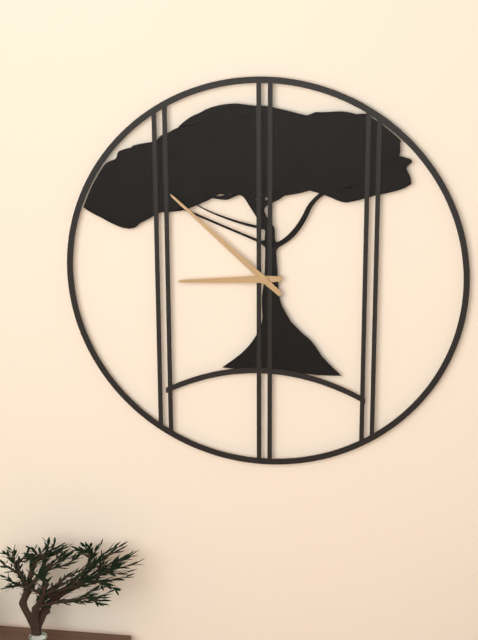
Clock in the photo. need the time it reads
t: 8:52
